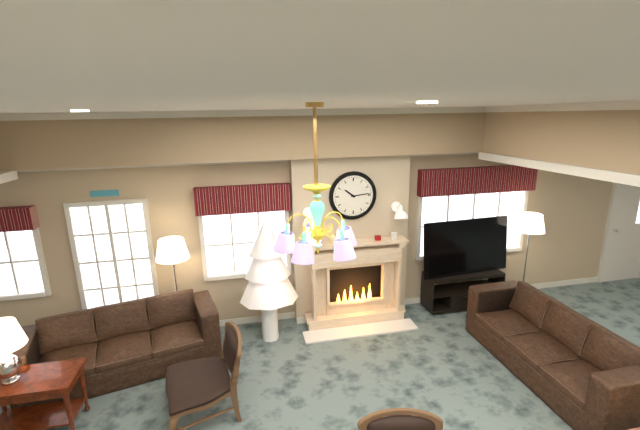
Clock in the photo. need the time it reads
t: 10:14
